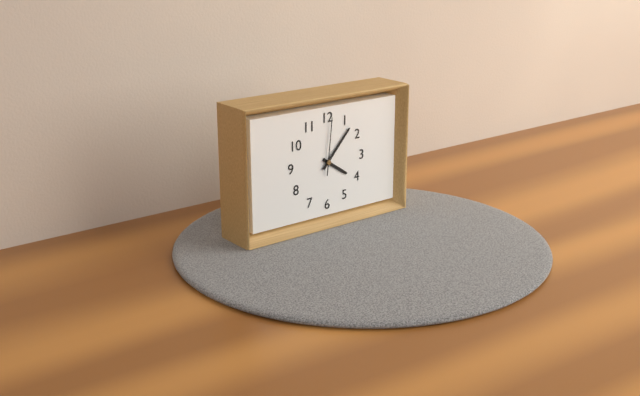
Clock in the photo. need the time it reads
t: 4:07:01
